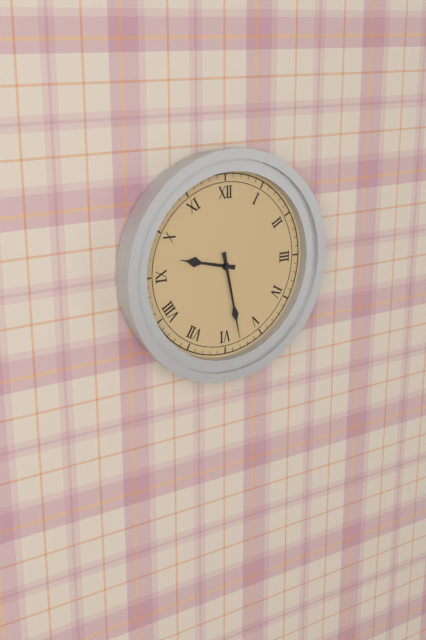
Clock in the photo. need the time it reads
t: 9:28
